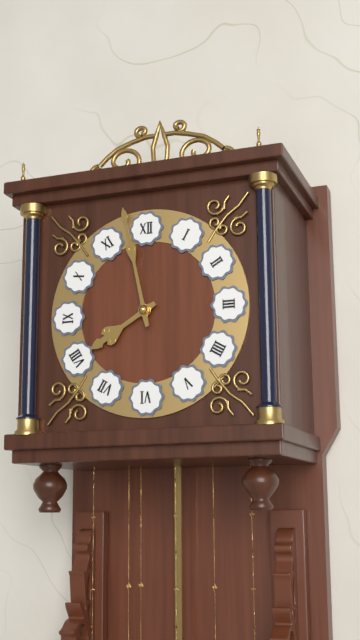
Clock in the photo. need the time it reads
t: 7:58
